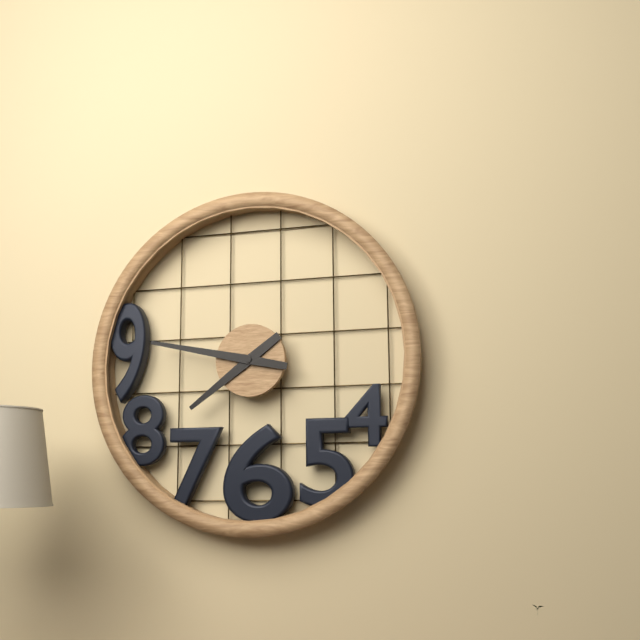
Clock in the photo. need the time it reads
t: 7:47
